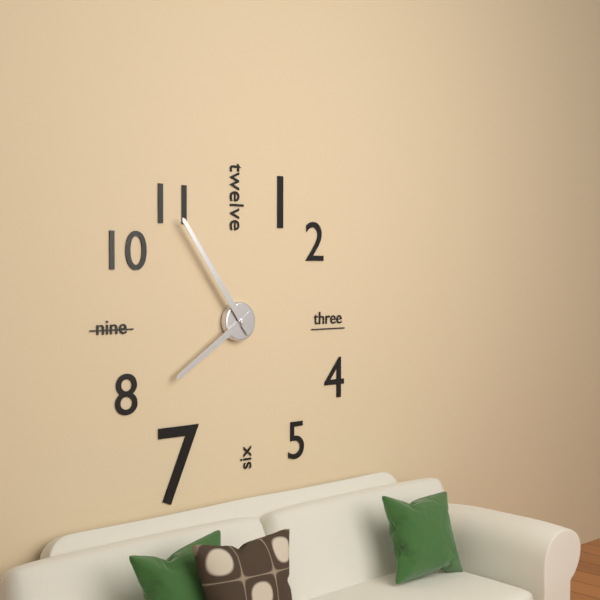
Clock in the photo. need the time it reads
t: 7:54
